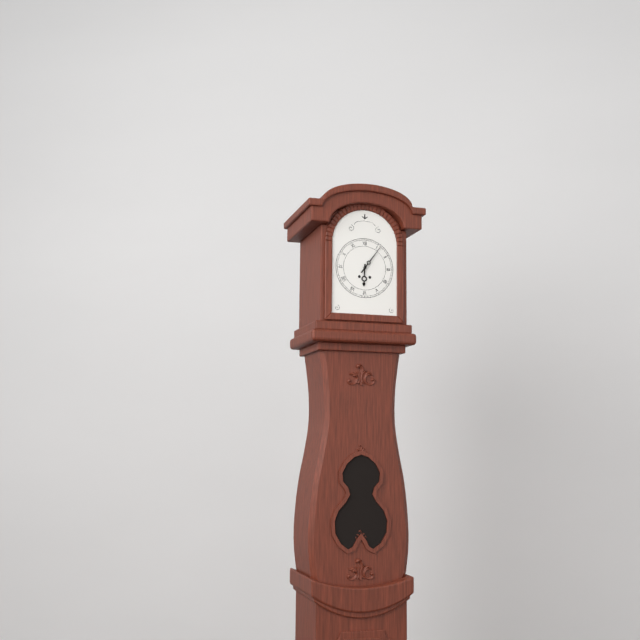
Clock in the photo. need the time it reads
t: 6:06
